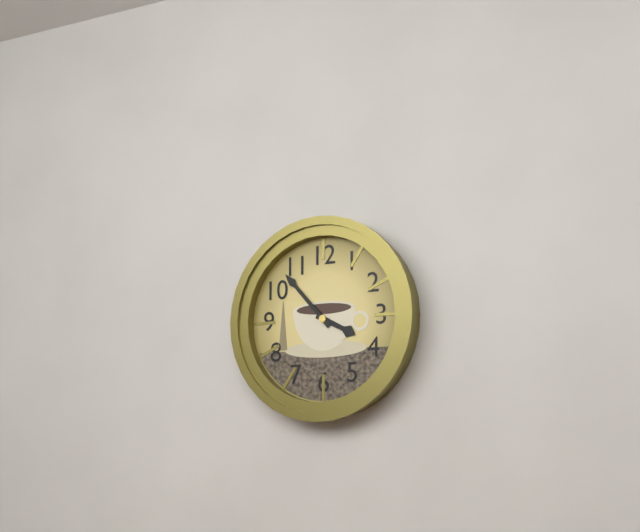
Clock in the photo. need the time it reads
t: 3:53
